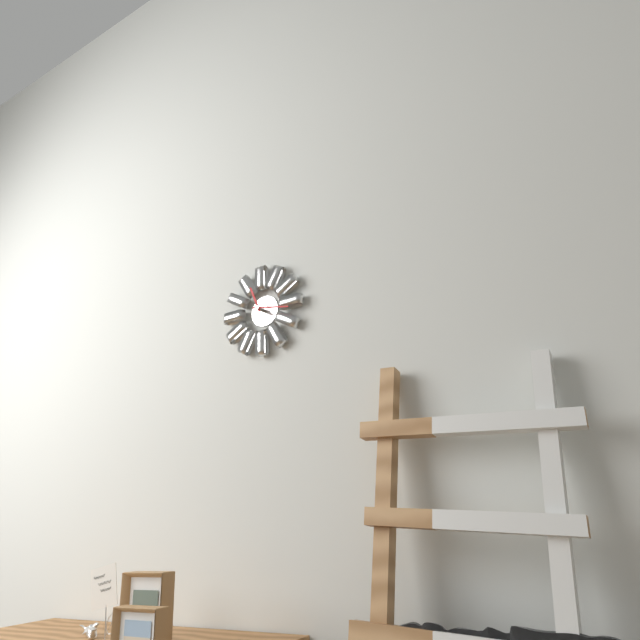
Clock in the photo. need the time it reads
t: 11:17
